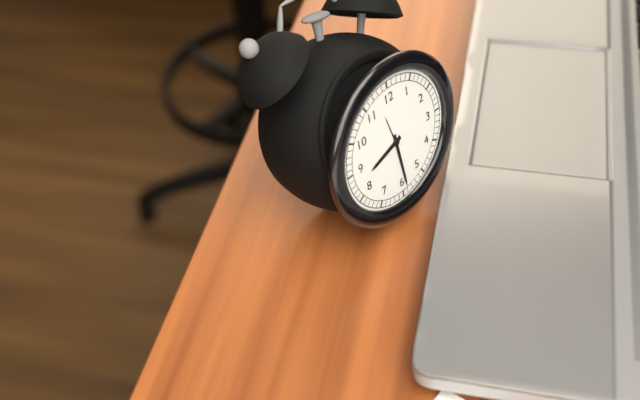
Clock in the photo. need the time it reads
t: 8:29
